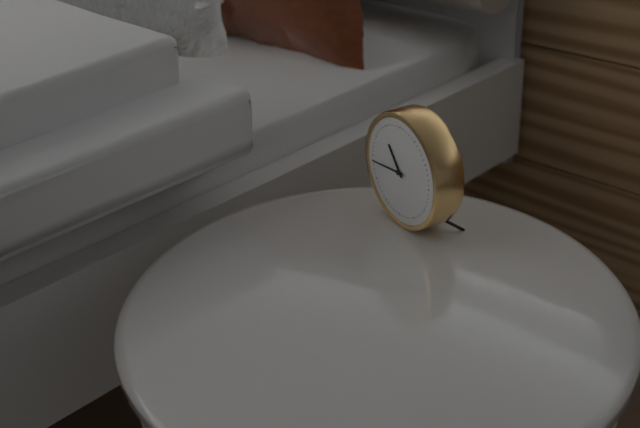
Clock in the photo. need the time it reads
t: 10:44
